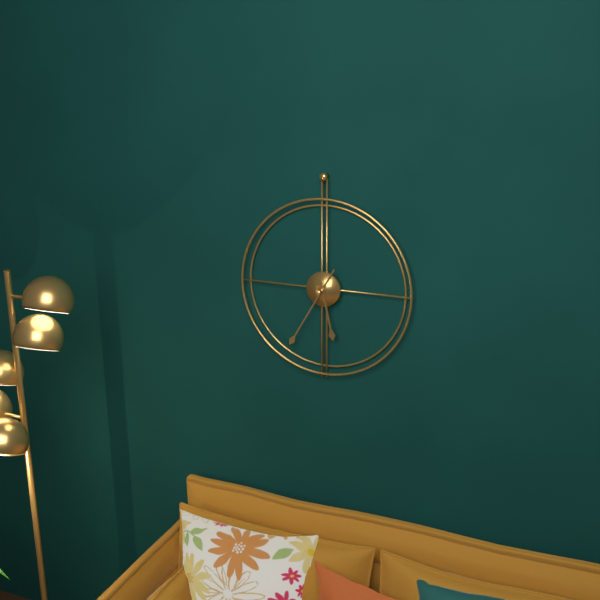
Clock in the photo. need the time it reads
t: 5:35
